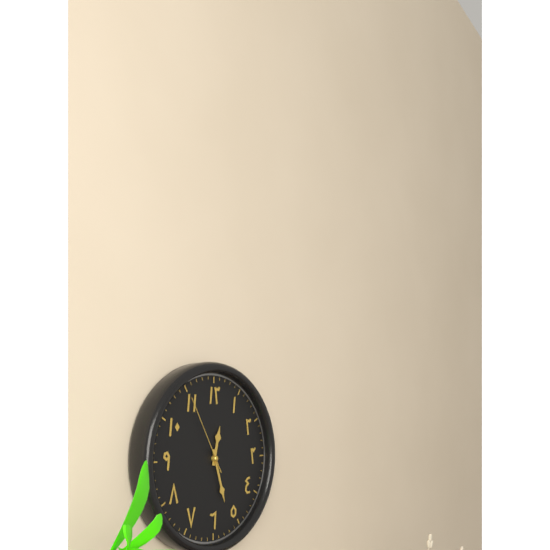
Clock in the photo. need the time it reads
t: 12:27:55
